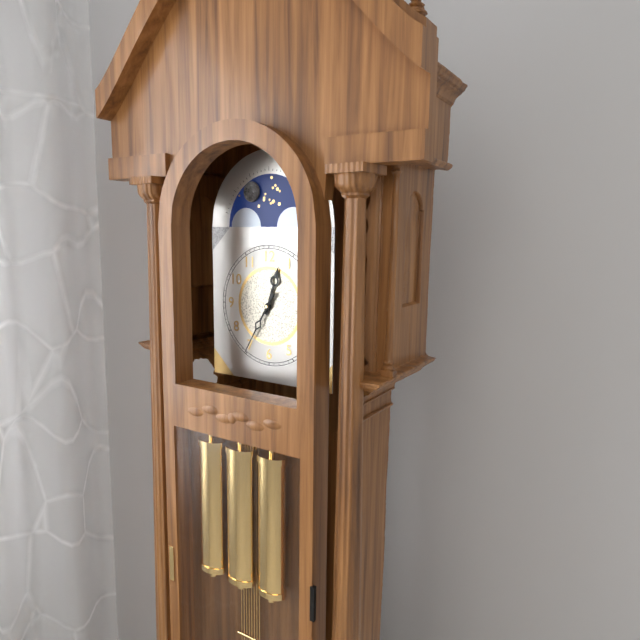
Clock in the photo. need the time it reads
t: 12:35
